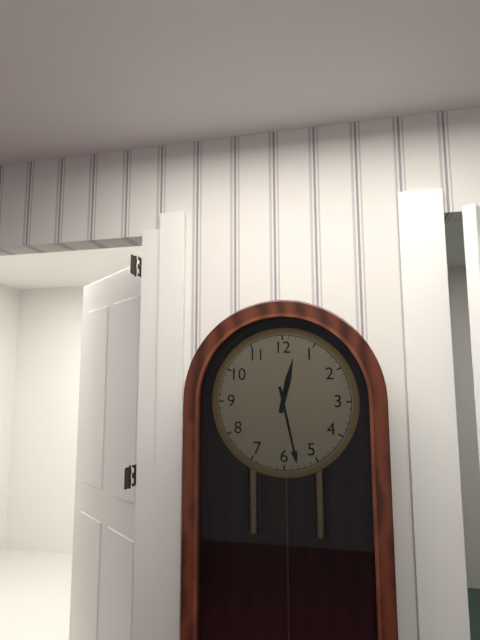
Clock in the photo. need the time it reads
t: 12:28
